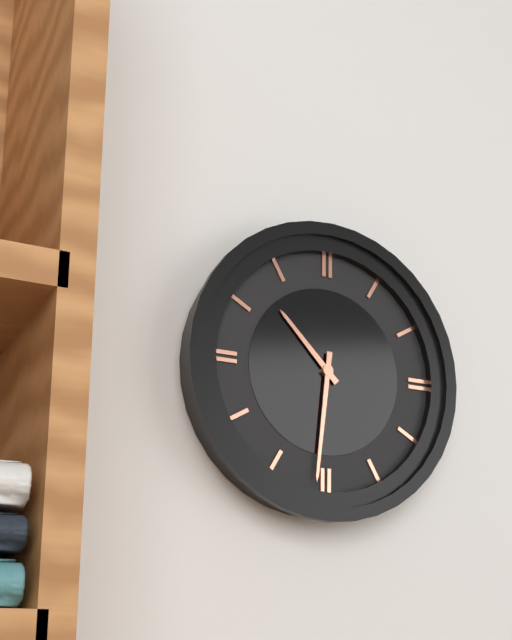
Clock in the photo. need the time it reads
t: 10:31
